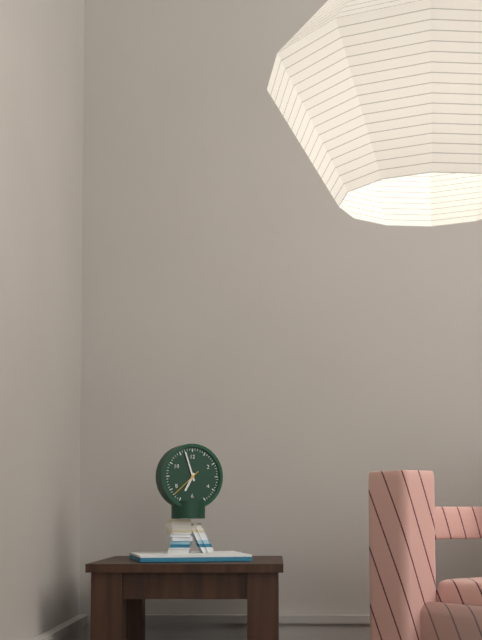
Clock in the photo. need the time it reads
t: 6:57
